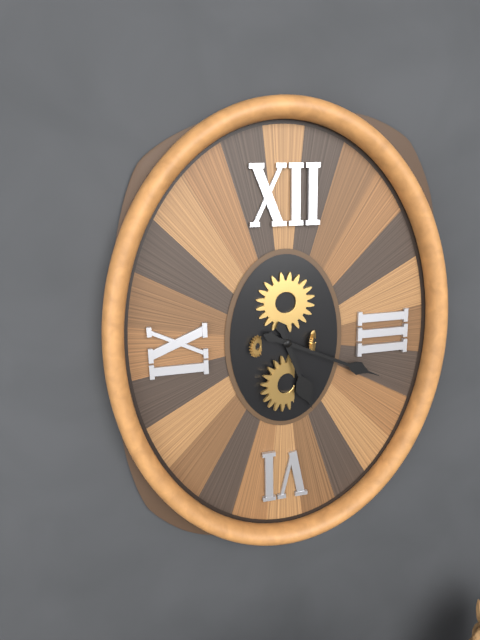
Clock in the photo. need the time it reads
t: 5:19
